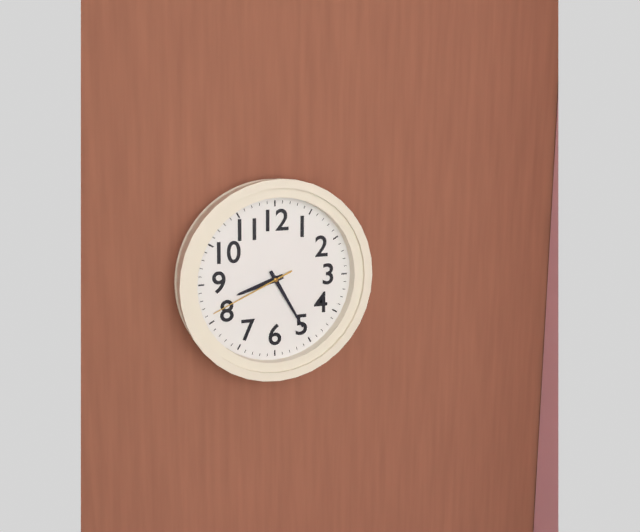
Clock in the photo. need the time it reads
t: 8:25:41
